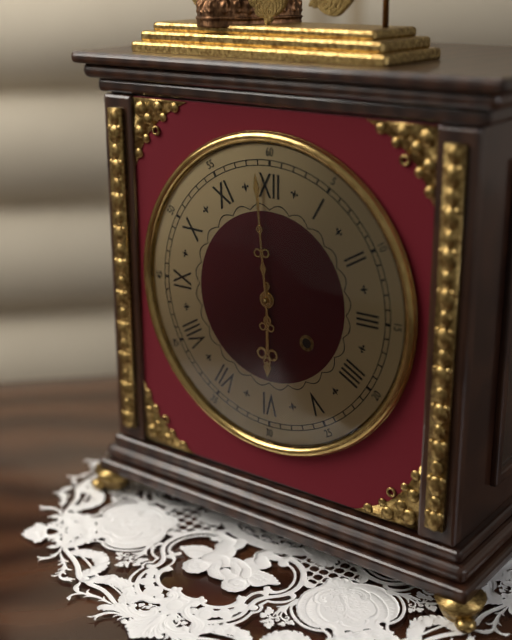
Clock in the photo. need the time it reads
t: 5:59
